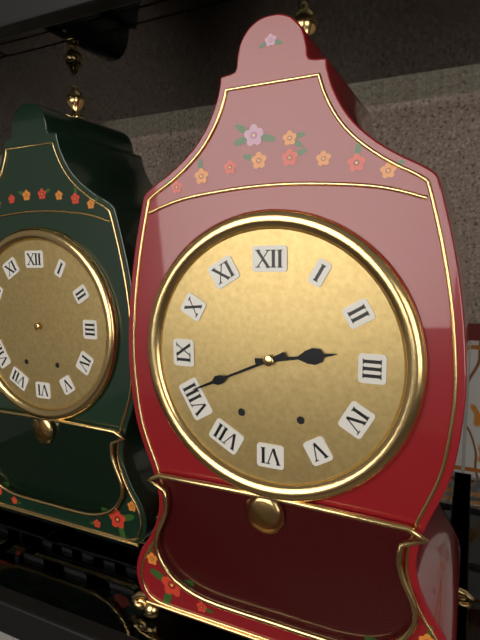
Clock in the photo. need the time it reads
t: 2:41
